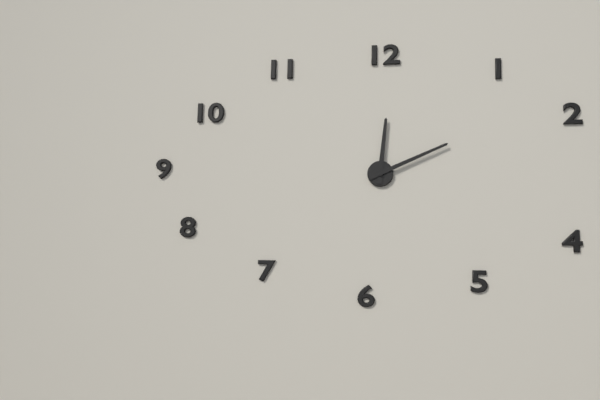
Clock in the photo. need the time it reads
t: 12:11
